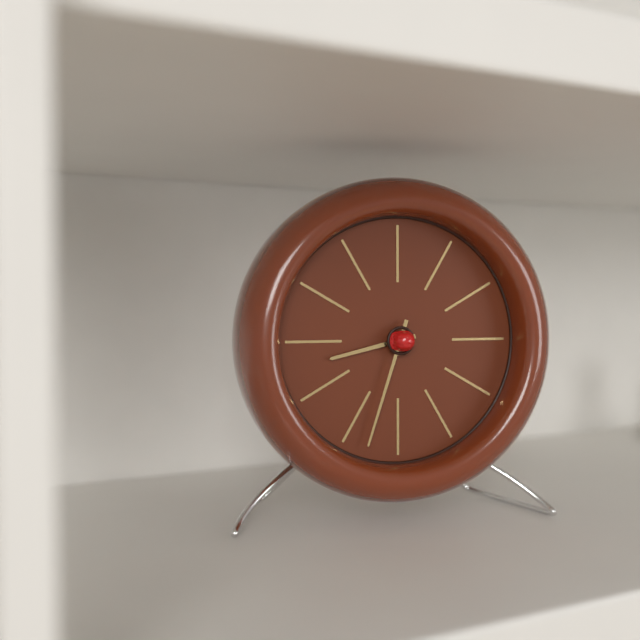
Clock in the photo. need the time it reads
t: 8:33
